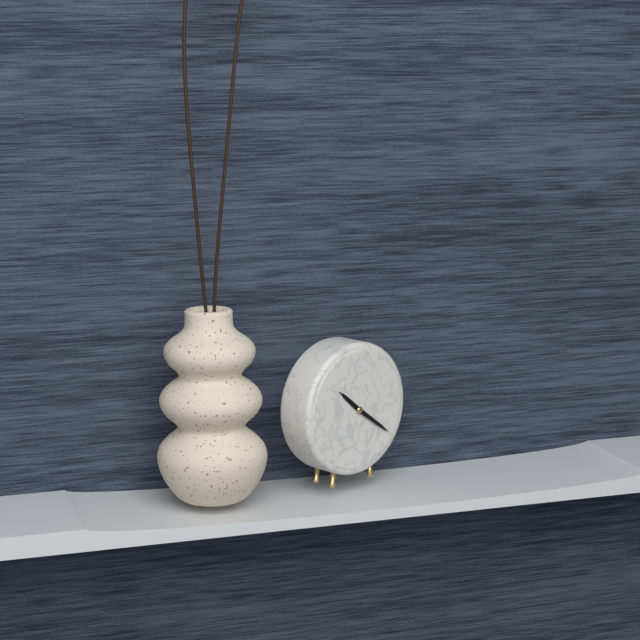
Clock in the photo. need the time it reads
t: 10:21
